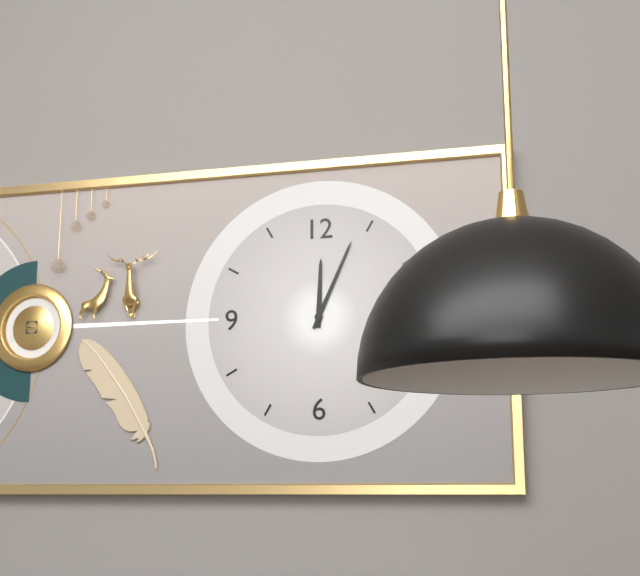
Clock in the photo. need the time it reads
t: 12:04
